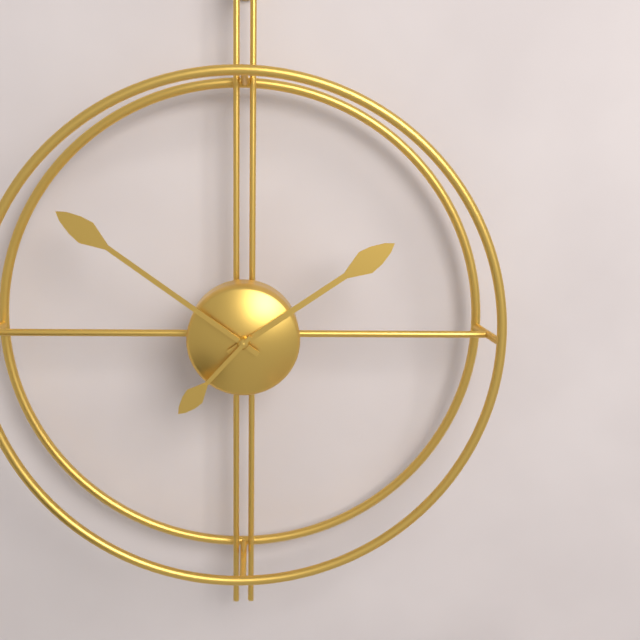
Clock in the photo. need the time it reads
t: 1:51:37
